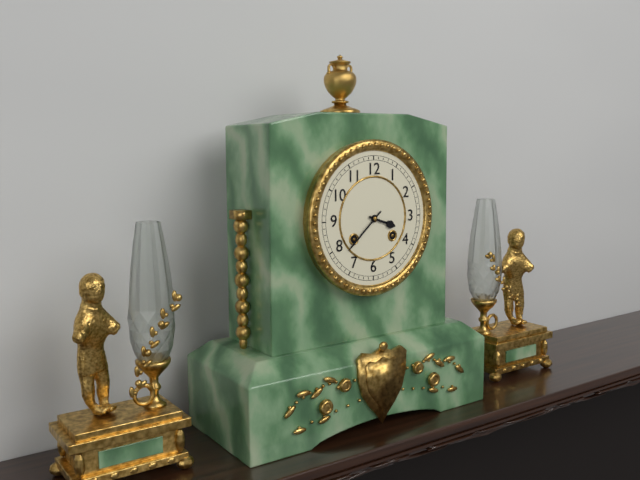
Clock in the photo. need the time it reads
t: 3:38
